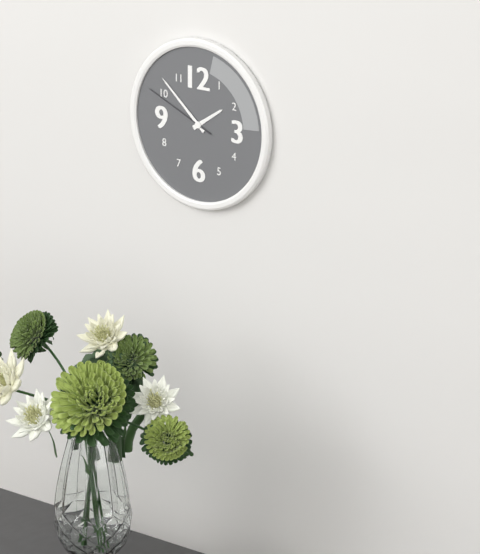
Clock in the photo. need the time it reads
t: 1:52:49
